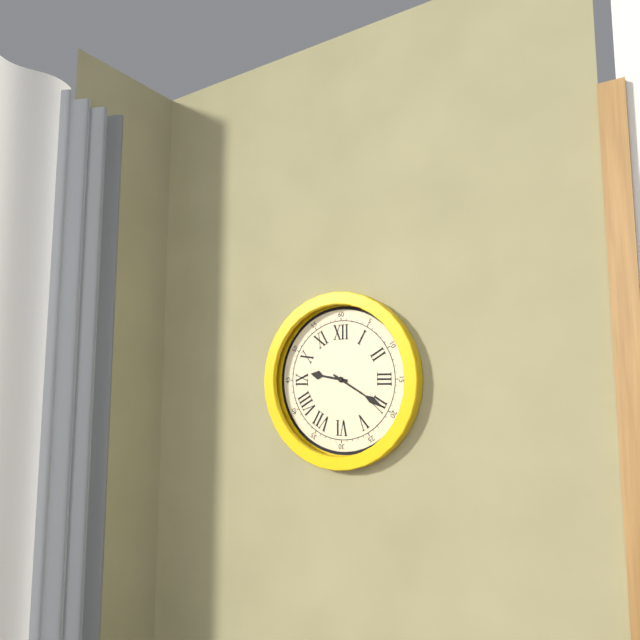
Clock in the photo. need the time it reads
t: 9:20
